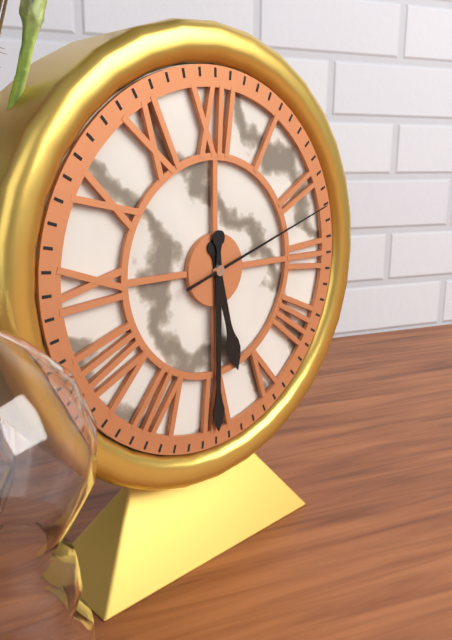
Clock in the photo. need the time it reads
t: 5:30:12
